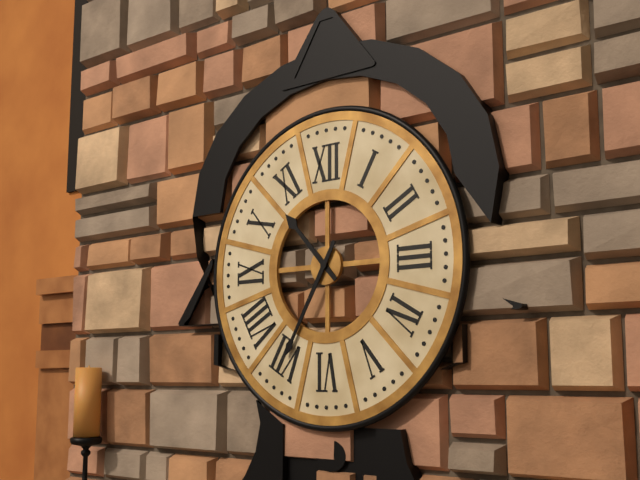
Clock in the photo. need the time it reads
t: 10:35
